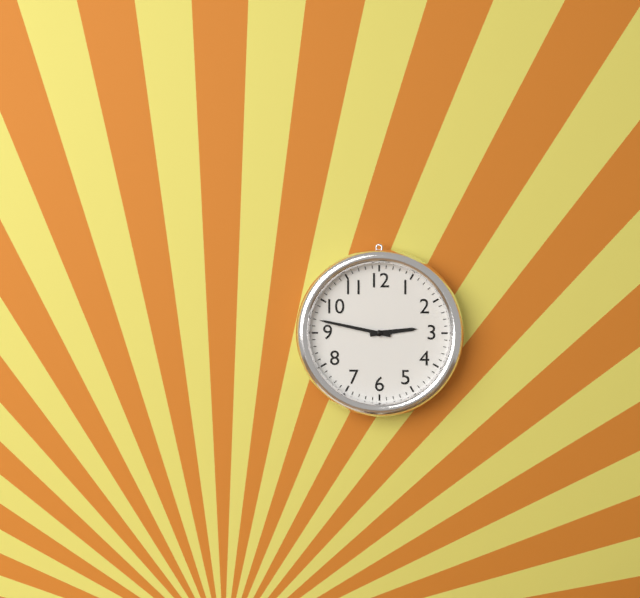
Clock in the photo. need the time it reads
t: 2:47
